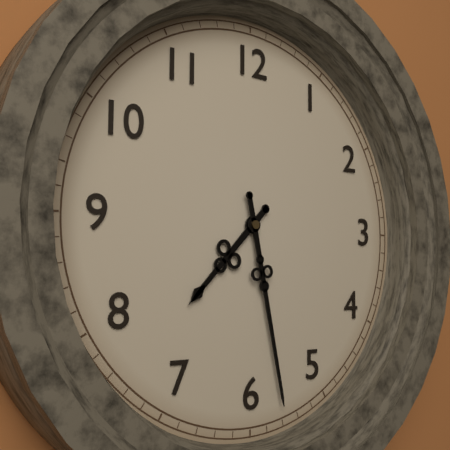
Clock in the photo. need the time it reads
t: 7:28
